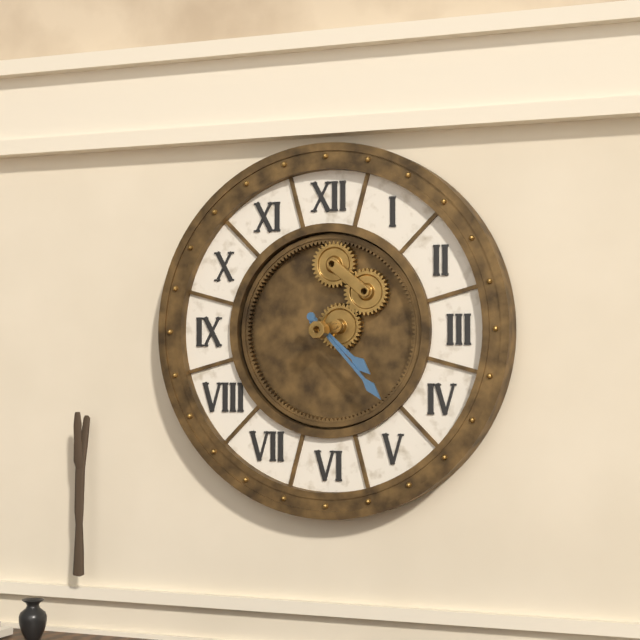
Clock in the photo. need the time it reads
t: 4:23
